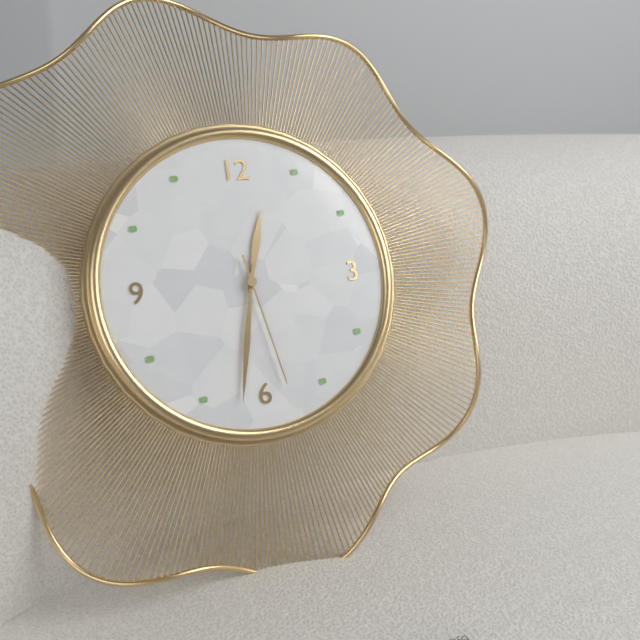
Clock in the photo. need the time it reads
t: 12:32:28
